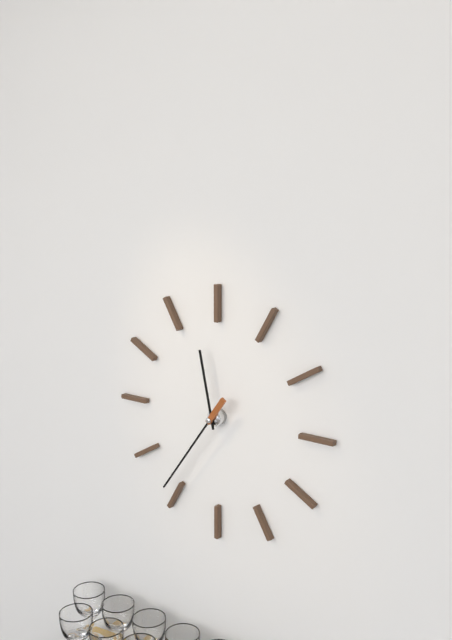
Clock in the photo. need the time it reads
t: 11:36
